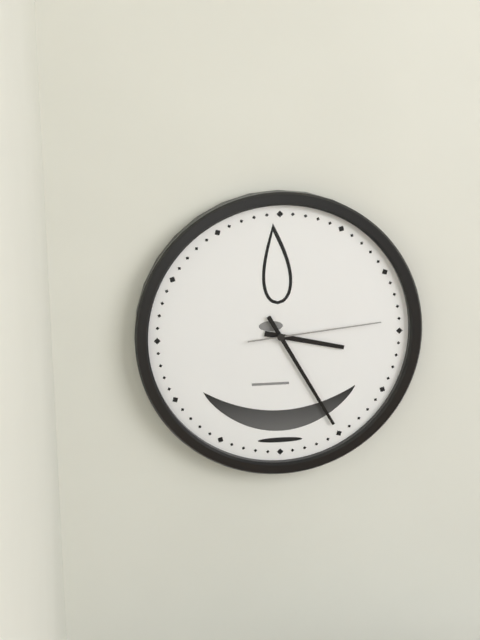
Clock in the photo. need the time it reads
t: 3:25:14
